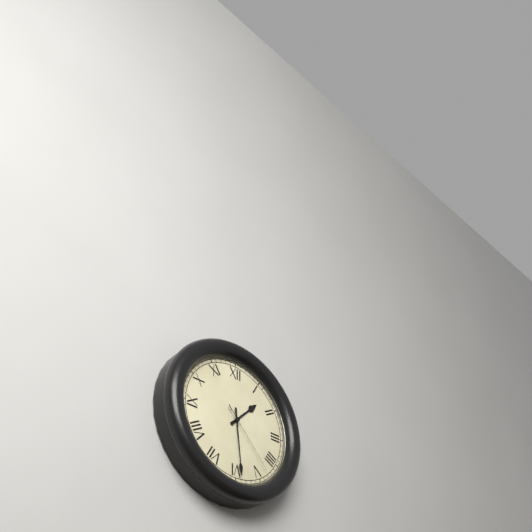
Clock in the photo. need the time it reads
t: 1:29:23
